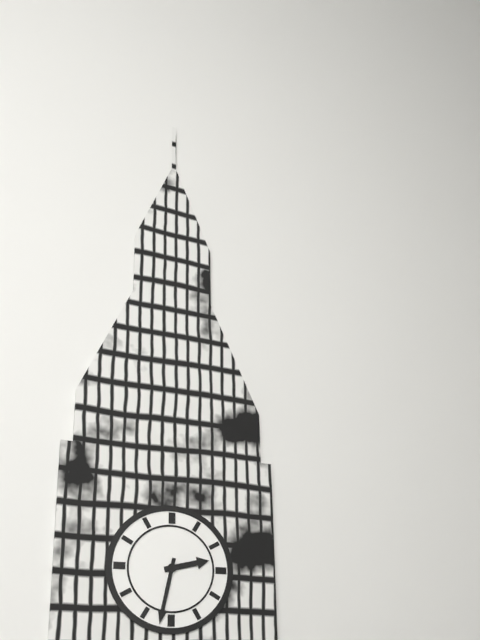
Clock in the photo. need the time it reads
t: 2:32
